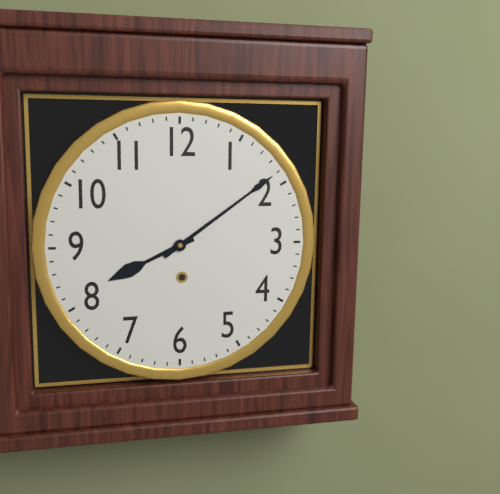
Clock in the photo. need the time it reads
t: 8:09
